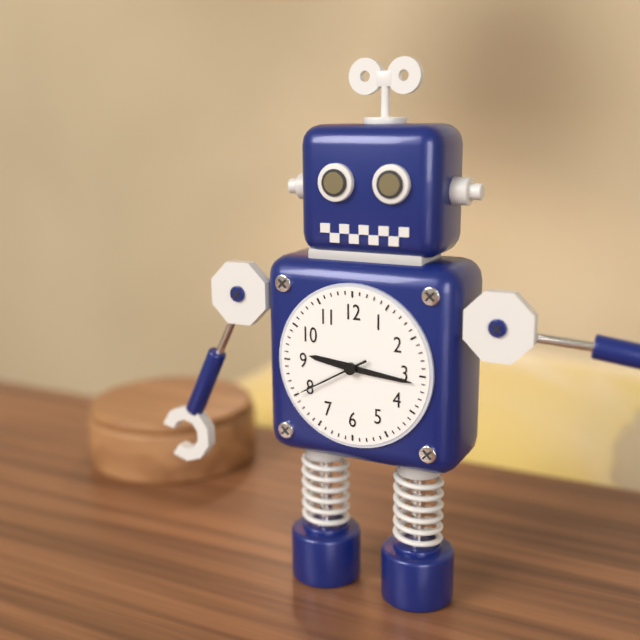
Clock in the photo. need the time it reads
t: 9:16:40
